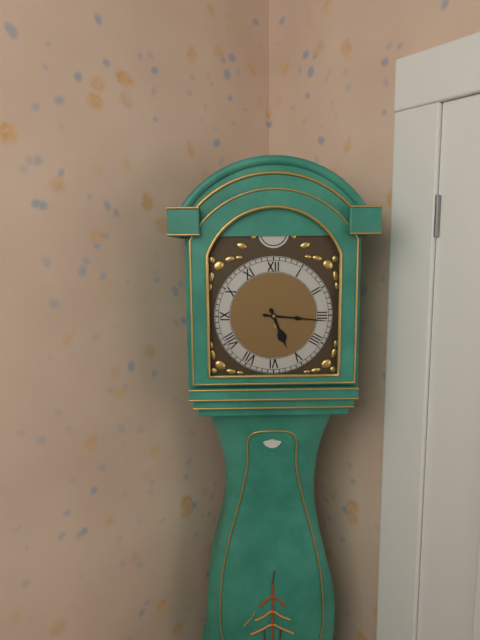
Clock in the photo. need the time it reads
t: 5:16
